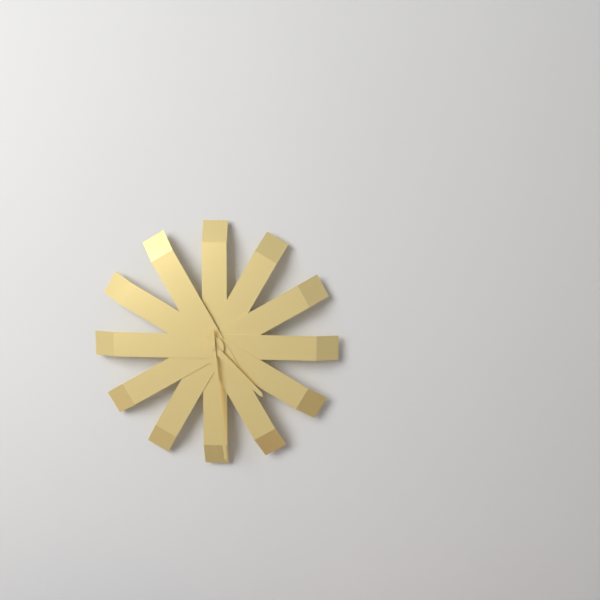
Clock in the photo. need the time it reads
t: 4:29
